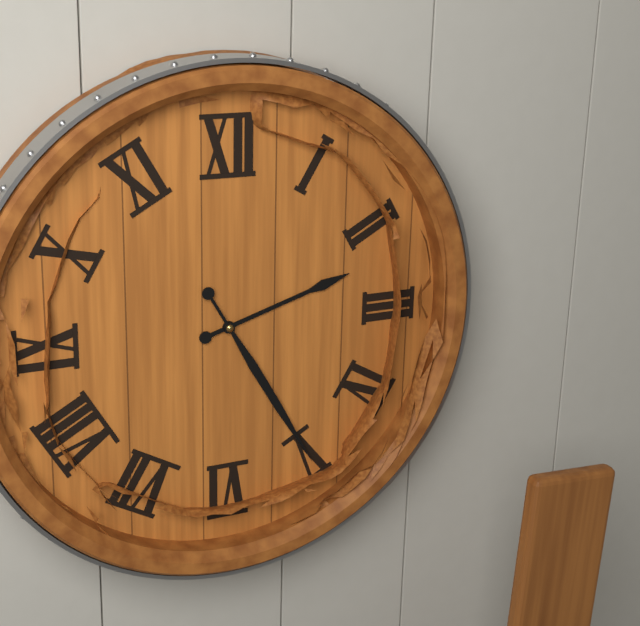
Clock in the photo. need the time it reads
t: 2:25
